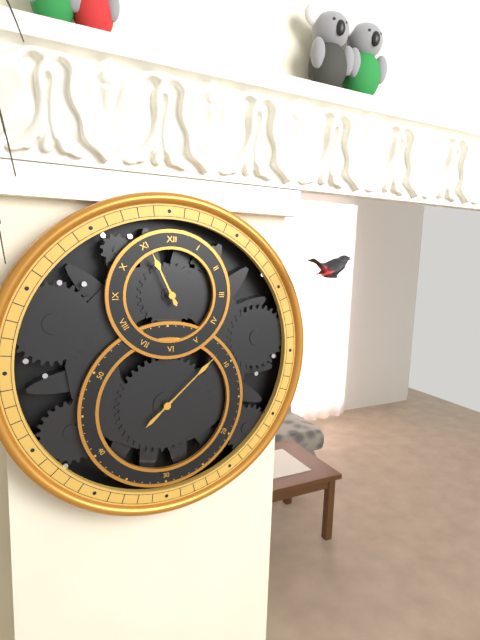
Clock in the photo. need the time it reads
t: 11:08
